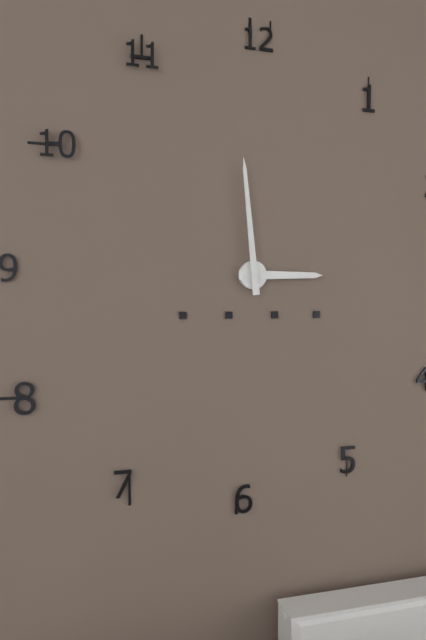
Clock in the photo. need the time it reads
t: 2:59
